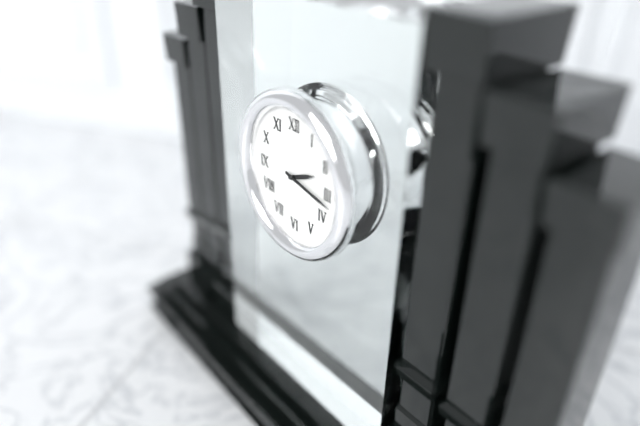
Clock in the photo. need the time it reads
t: 2:17
